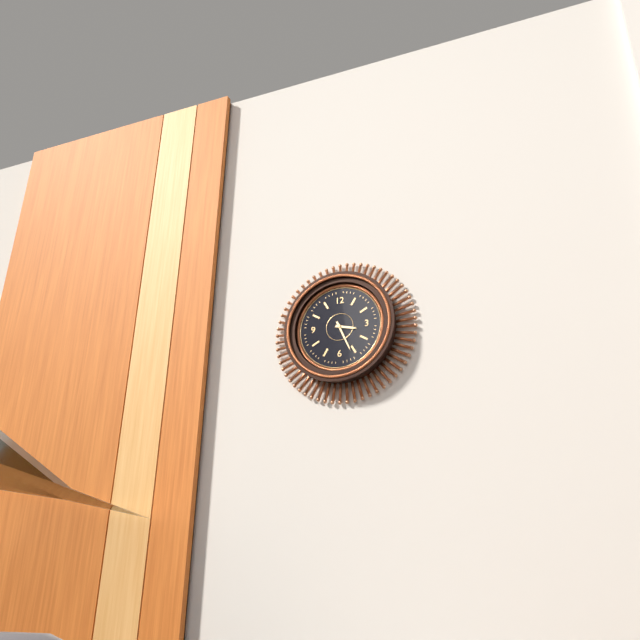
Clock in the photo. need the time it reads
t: 3:26
